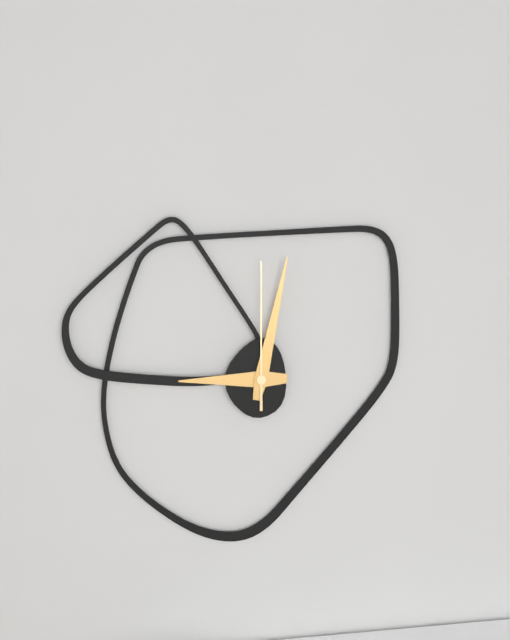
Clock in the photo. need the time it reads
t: 9:02:00
